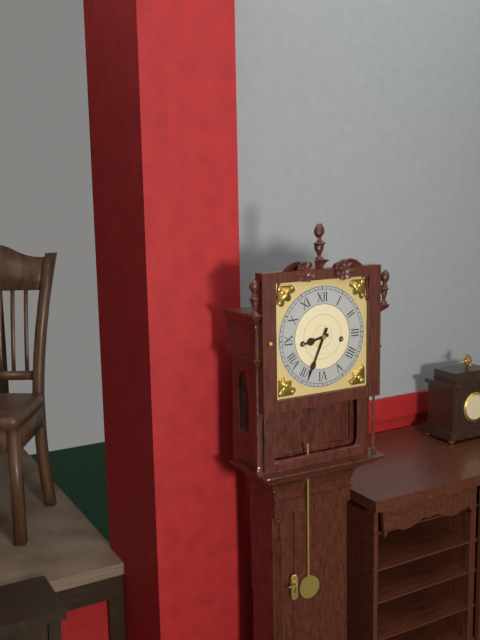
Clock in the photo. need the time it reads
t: 8:34
